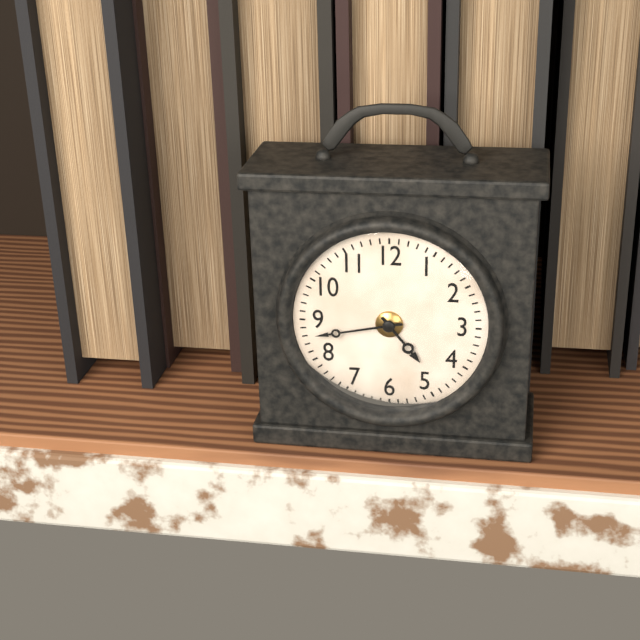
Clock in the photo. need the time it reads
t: 4:43
